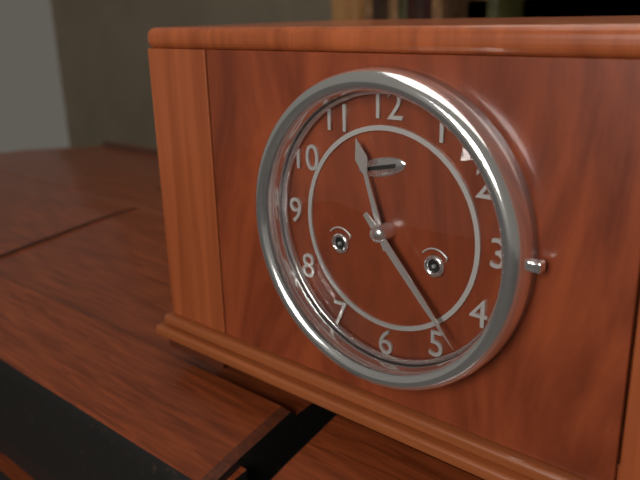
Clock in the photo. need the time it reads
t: 11:23
